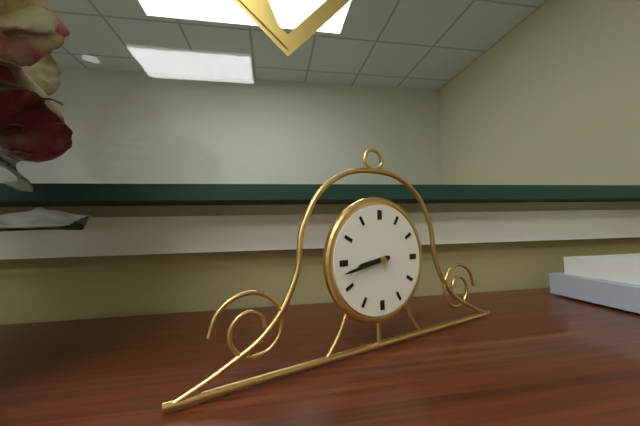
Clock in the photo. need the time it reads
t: 8:43
